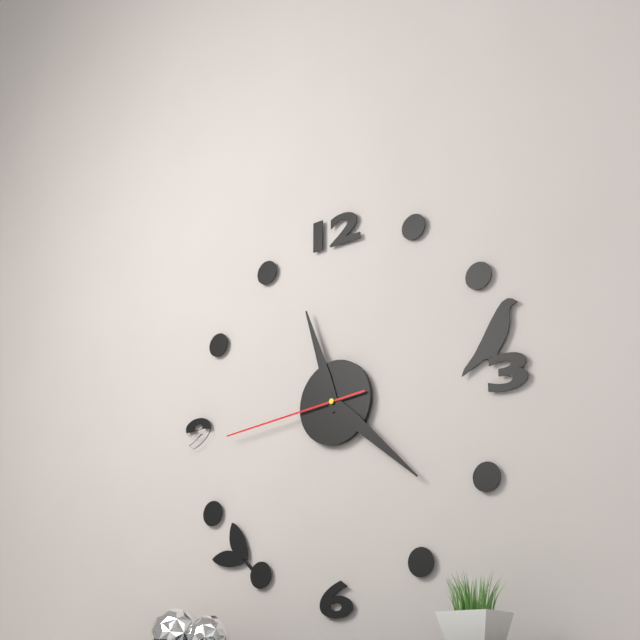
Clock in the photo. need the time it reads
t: 11:22:44
